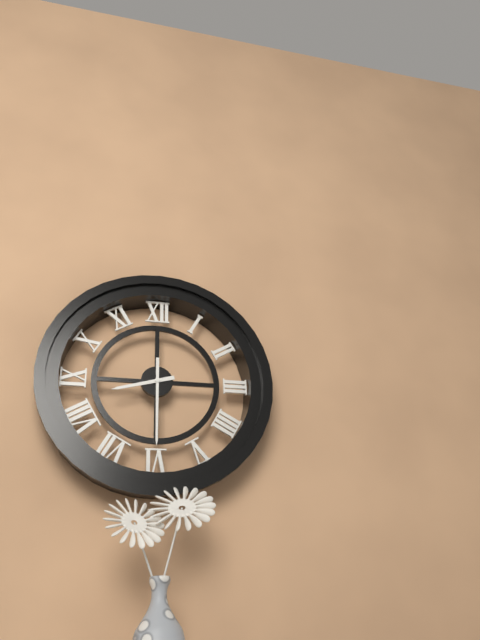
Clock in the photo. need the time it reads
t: 8:30
